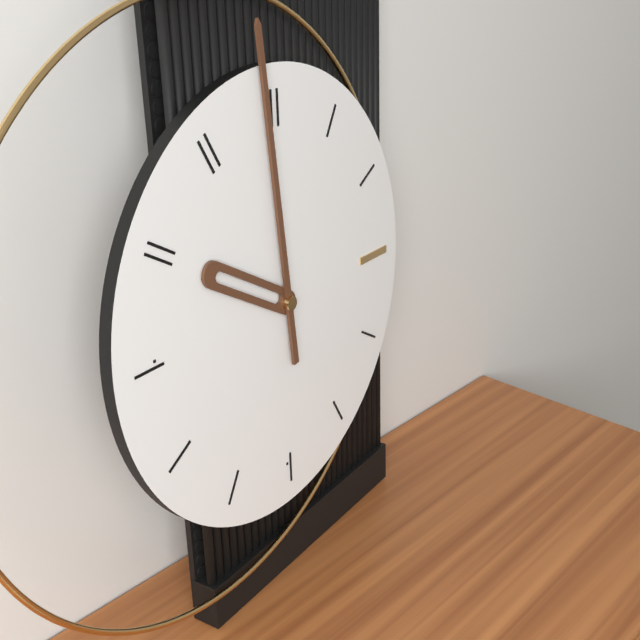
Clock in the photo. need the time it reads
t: 9:59
